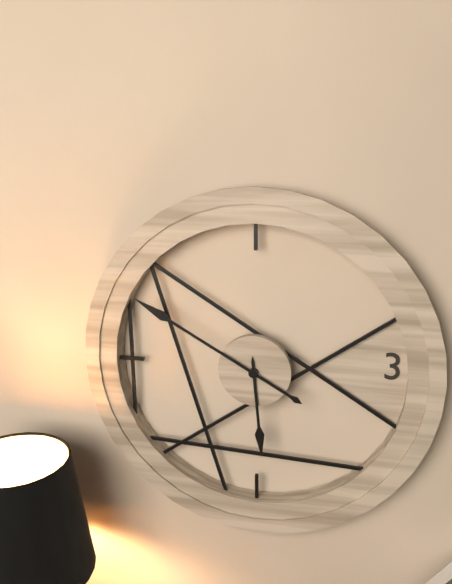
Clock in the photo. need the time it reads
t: 5:50
